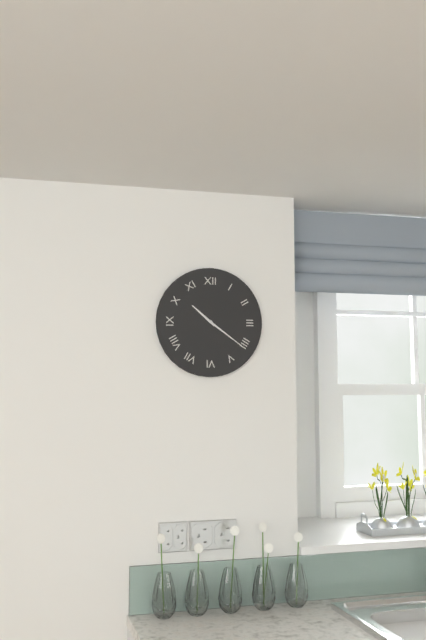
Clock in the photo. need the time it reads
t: 10:21
